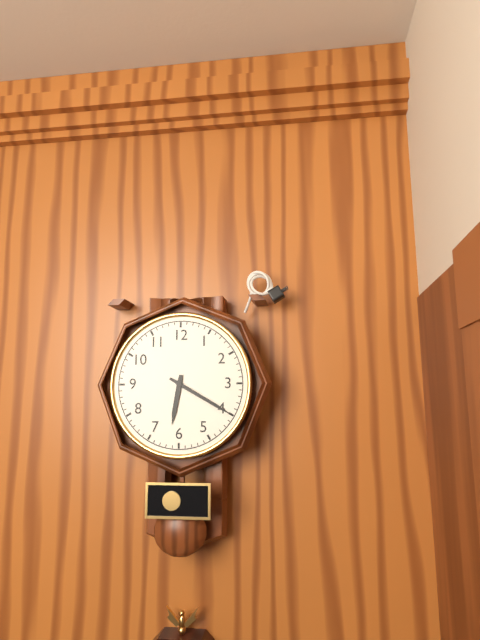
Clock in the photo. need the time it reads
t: 6:20
